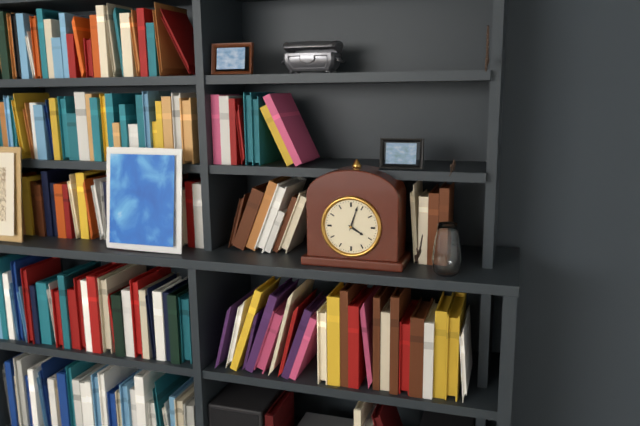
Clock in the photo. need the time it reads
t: 4:03
